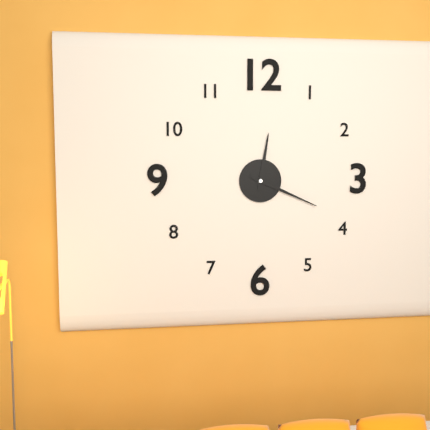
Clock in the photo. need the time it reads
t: 12:19
